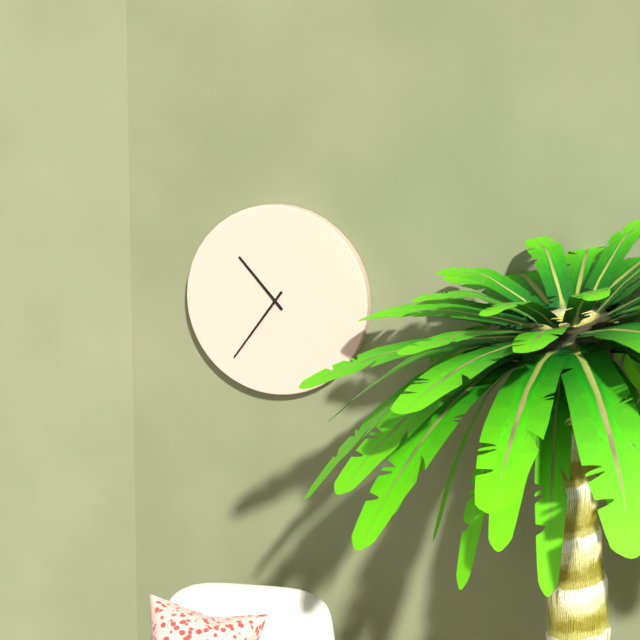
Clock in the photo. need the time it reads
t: 10:36
